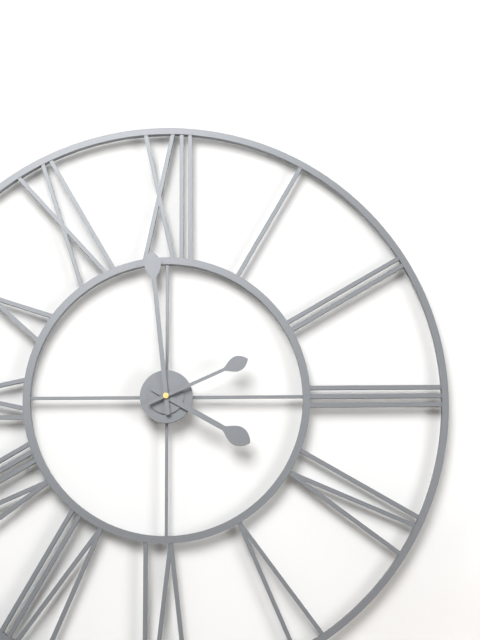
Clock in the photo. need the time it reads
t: 3:59:11
